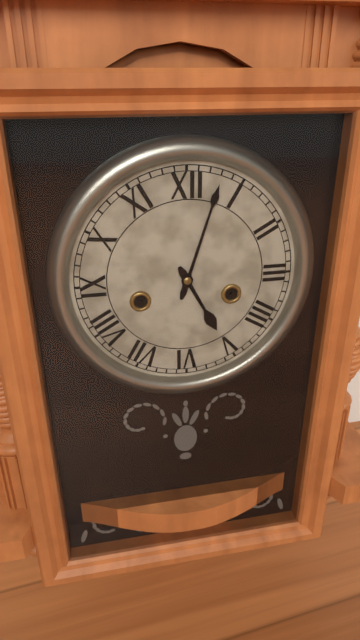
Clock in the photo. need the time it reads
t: 5:03
